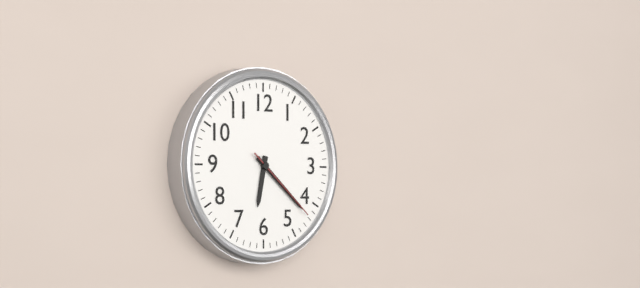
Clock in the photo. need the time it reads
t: 6:22:22
